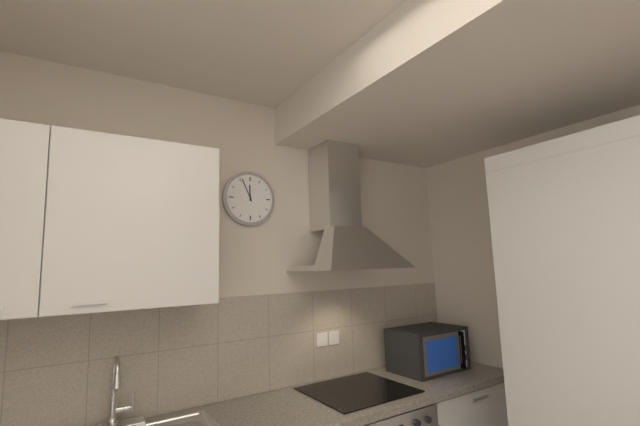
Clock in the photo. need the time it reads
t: 11:56
